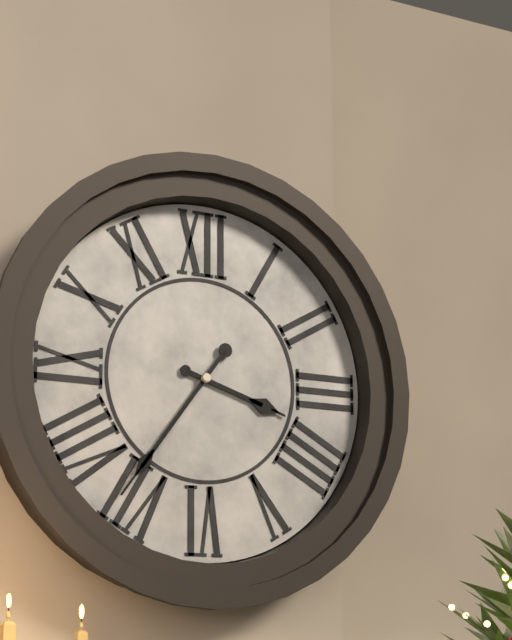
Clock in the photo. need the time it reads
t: 3:36
